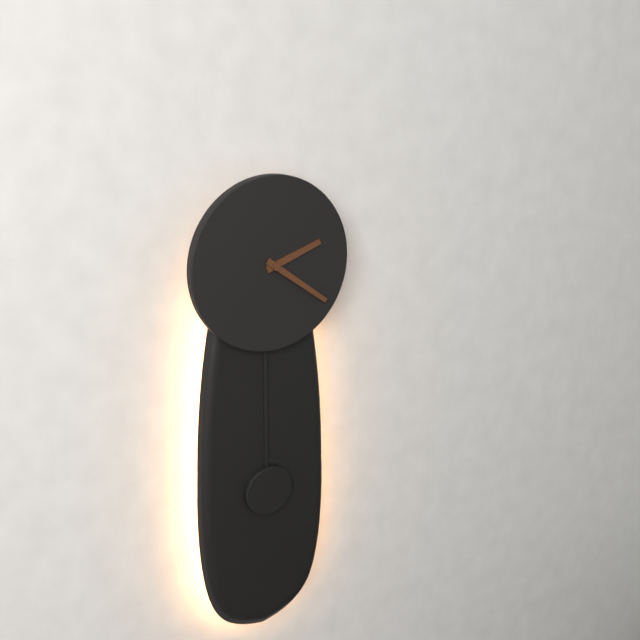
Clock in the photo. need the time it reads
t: 2:21
